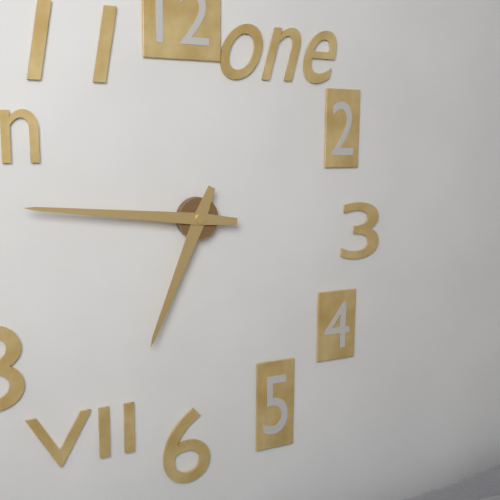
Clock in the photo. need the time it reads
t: 6:46
